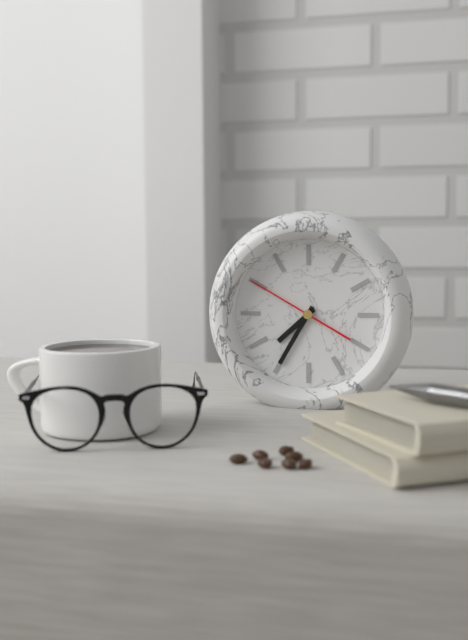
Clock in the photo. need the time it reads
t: 7:35:50
